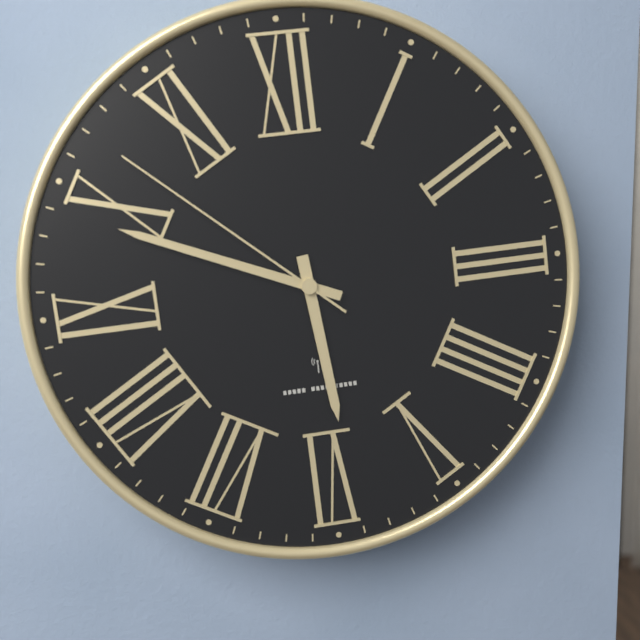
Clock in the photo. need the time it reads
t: 5:49:52
